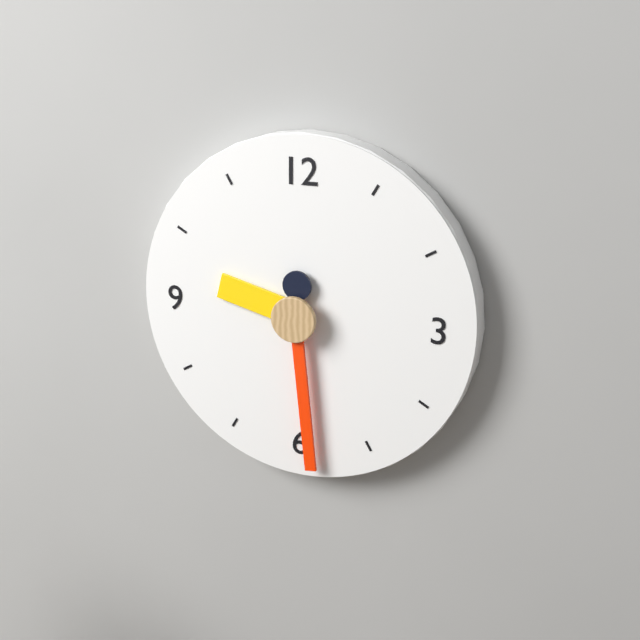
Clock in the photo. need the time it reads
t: 9:29
